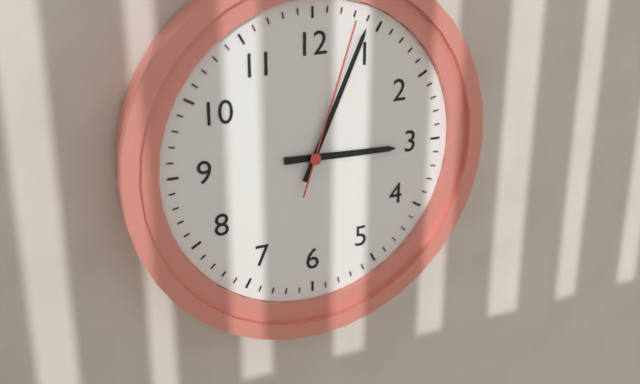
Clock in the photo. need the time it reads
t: 3:04:03
